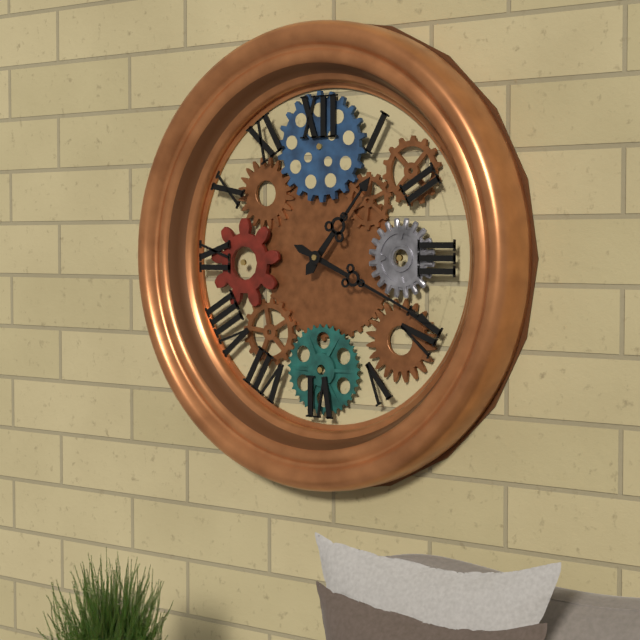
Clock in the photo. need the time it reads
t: 1:19
